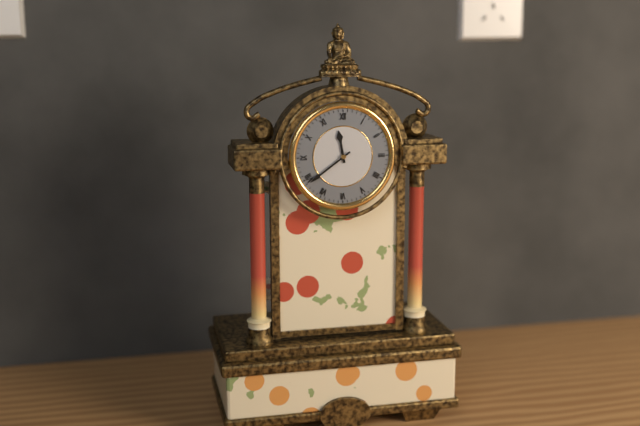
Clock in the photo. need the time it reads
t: 11:39
